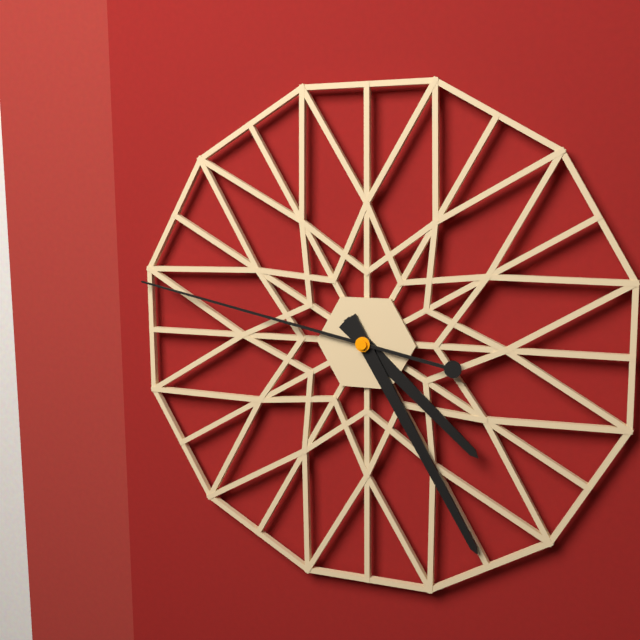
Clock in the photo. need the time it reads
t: 4:25:47
